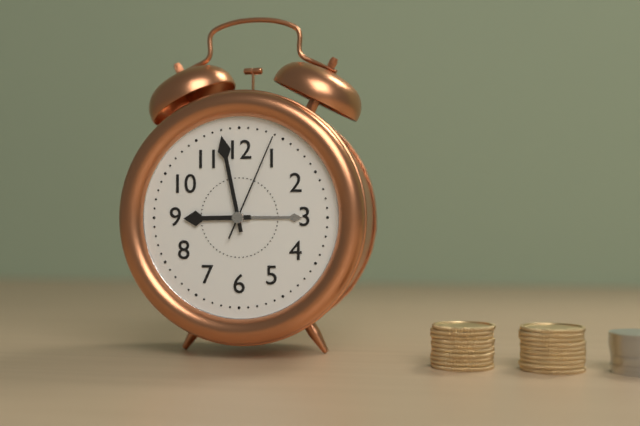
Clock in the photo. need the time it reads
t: 8:58:04
